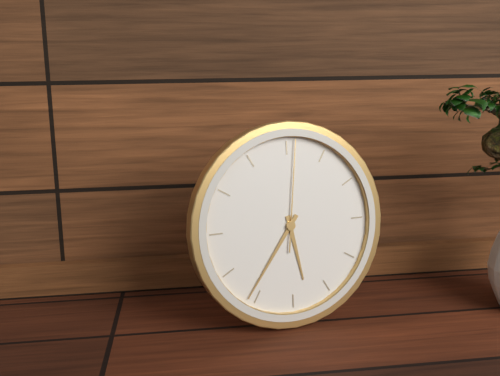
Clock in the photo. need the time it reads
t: 5:36:01
